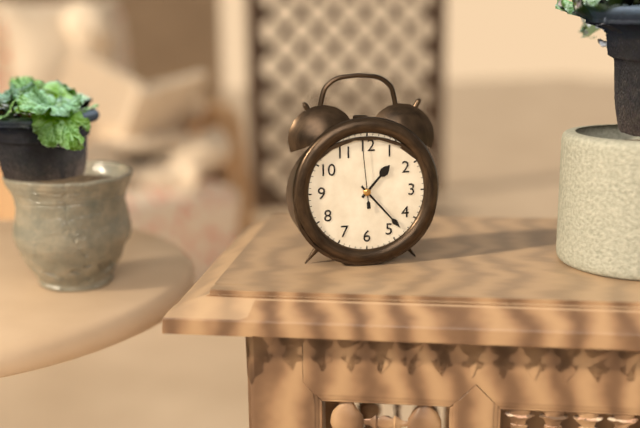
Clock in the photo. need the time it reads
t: 1:23:59
